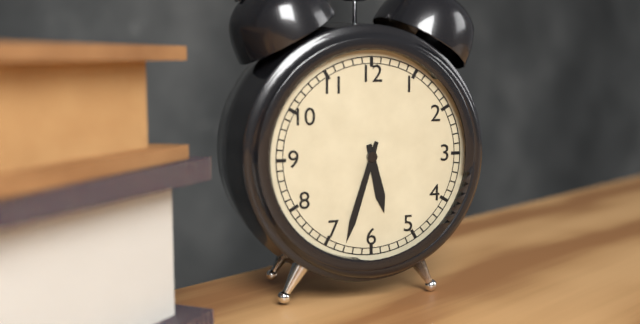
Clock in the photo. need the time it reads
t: 5:33
